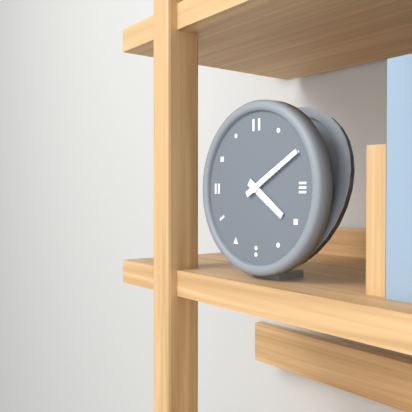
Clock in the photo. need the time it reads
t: 4:10
